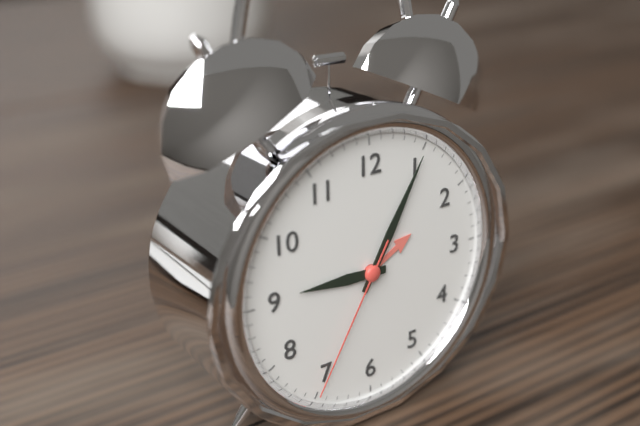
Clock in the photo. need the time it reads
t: 9:05:35
